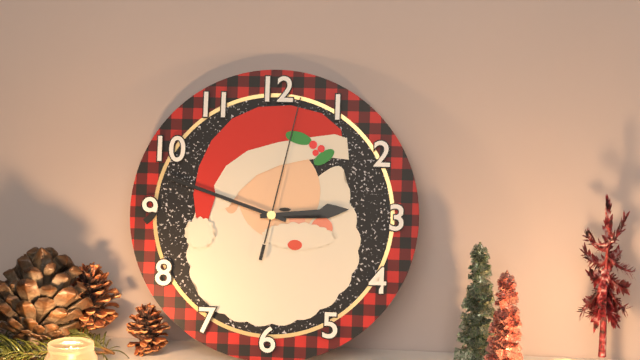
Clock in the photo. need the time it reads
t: 2:48:02
